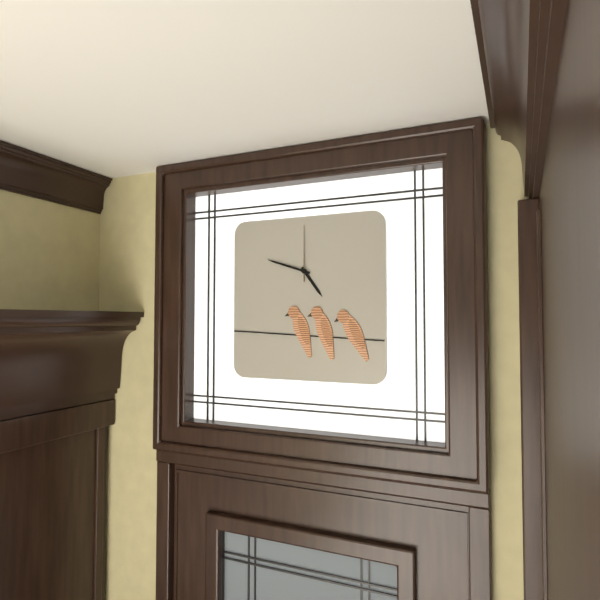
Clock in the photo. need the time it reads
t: 4:48:00
